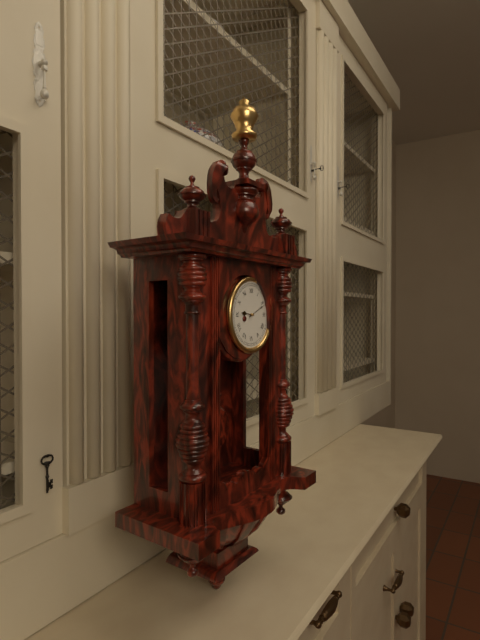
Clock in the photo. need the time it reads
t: 9:11
